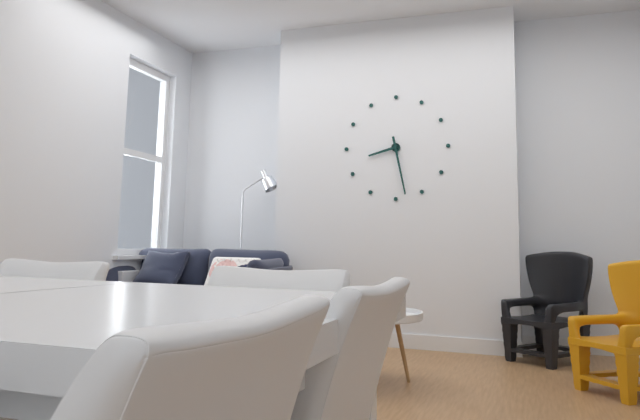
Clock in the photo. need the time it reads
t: 8:28
